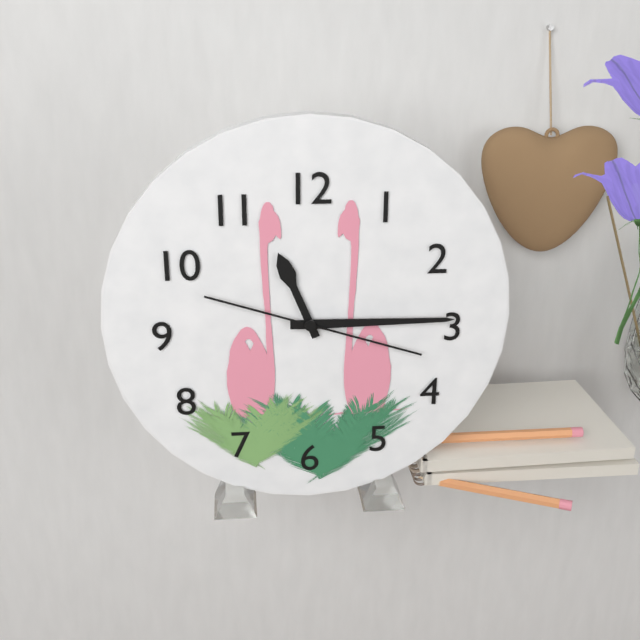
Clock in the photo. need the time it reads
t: 11:15:18
